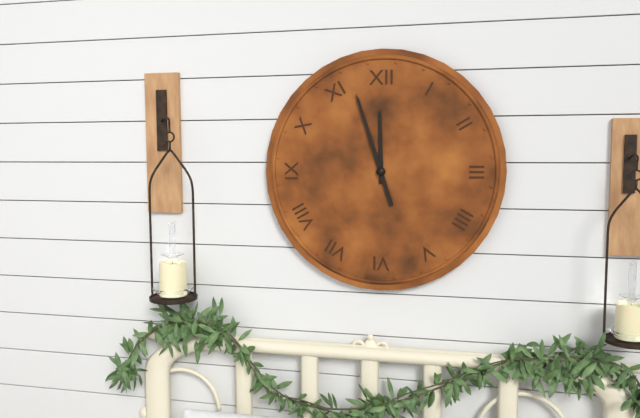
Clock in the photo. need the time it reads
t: 11:57
